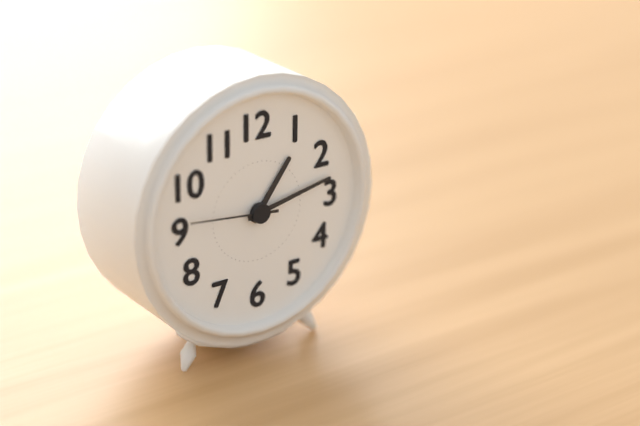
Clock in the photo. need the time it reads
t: 1:13:46
